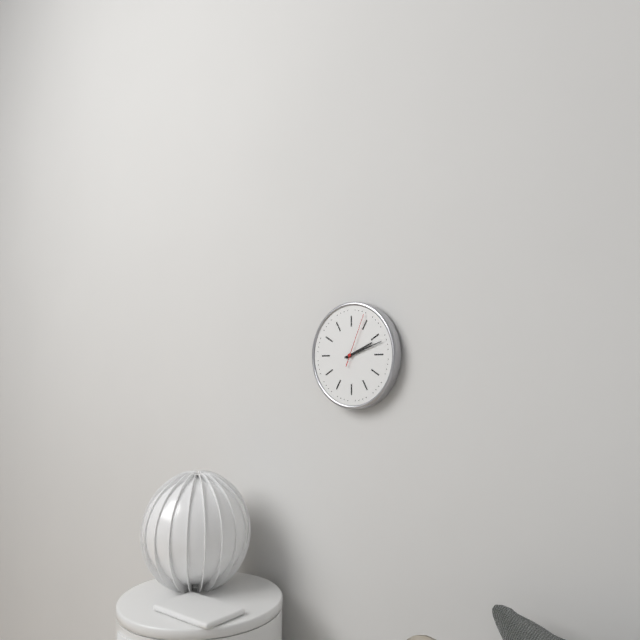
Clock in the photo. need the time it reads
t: 2:12:04
